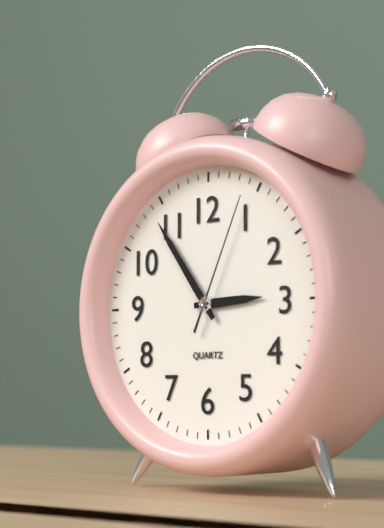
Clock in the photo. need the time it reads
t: 2:54:04
